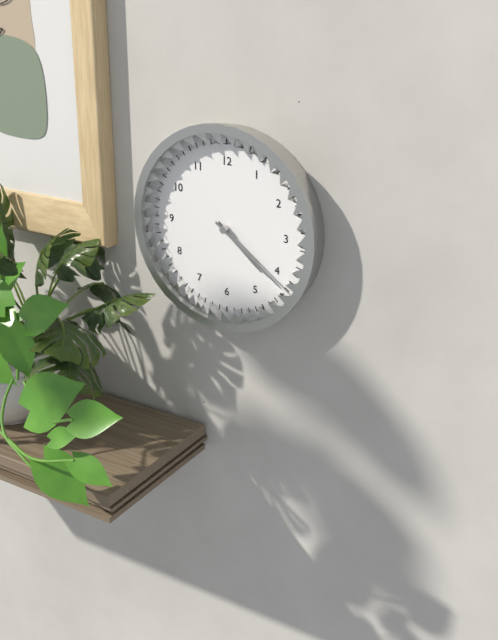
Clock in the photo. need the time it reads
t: 4:21
